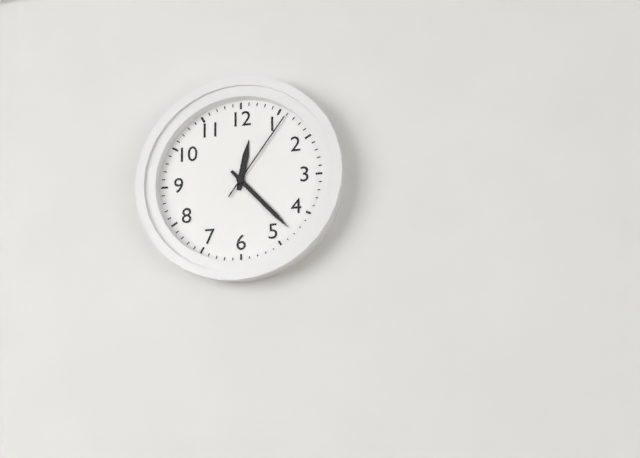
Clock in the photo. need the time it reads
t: 12:23:06
